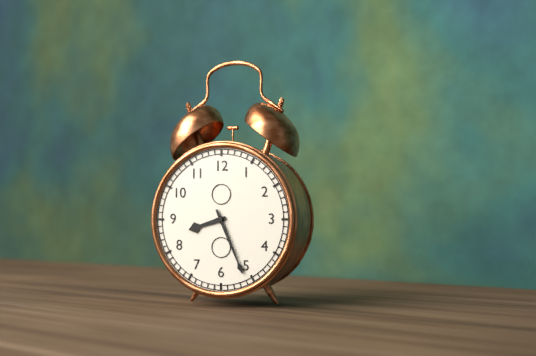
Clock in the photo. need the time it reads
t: 8:26
